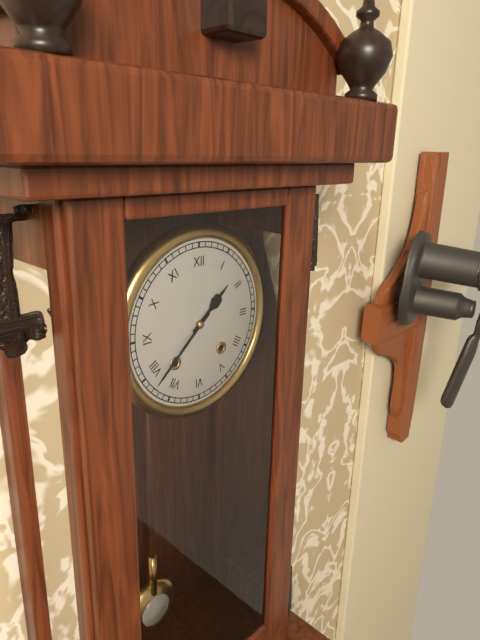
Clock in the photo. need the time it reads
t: 1:38
